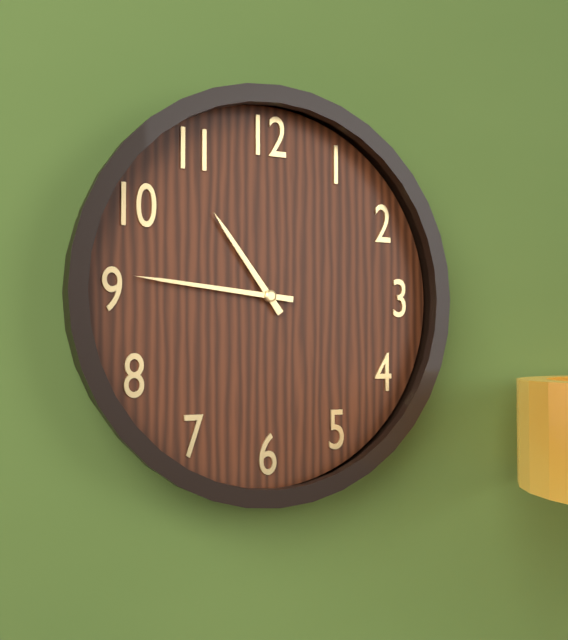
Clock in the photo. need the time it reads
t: 10:46
